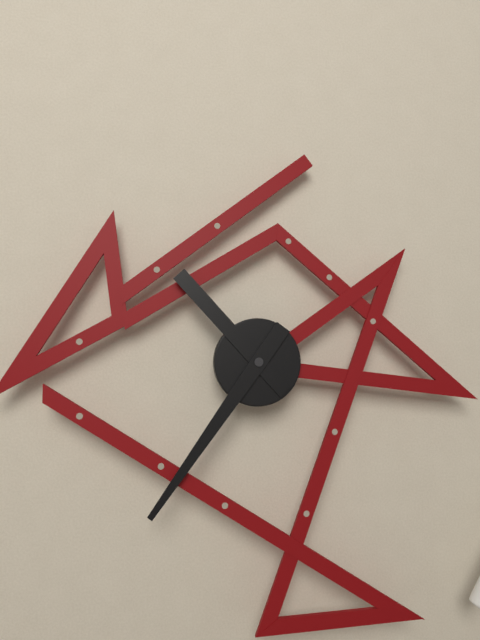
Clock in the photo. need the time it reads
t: 10:36
